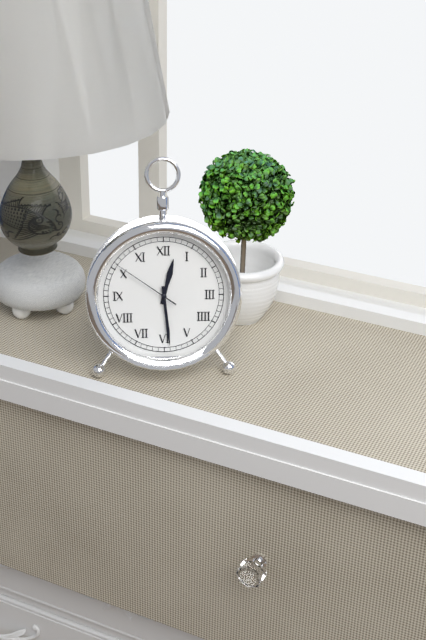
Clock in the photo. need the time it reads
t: 12:29:51
